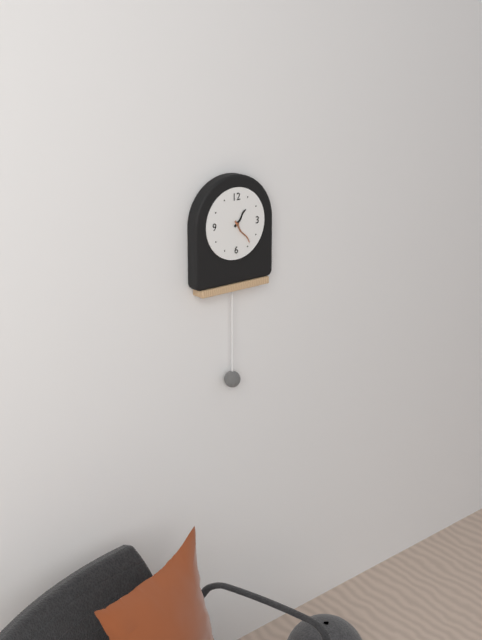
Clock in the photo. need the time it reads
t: 1:24
